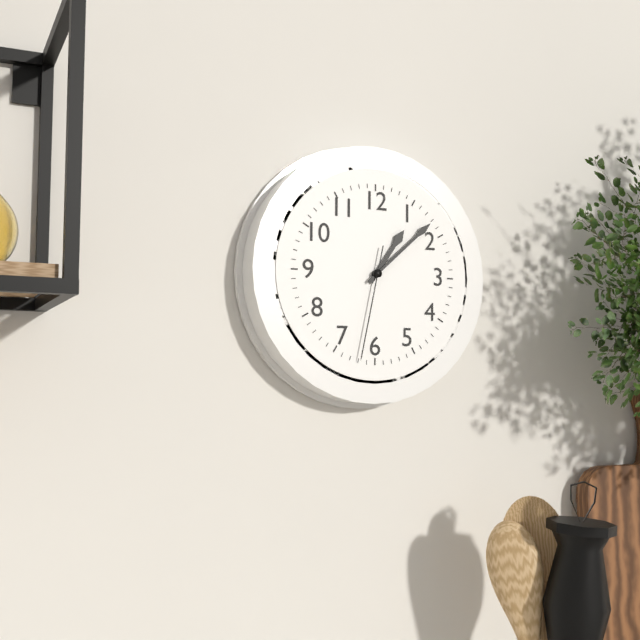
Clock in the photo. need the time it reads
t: 1:08:32
